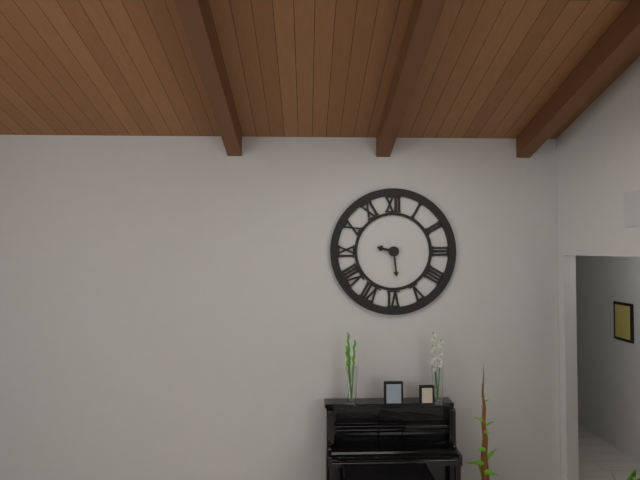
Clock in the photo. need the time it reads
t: 9:29
